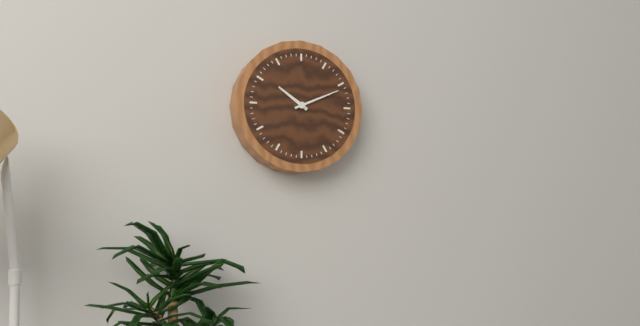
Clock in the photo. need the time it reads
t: 10:11
